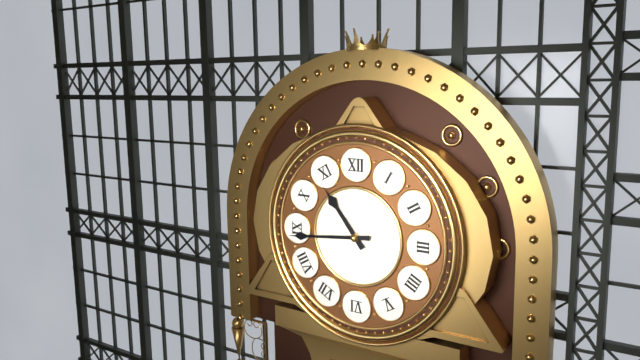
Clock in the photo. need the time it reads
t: 10:44
